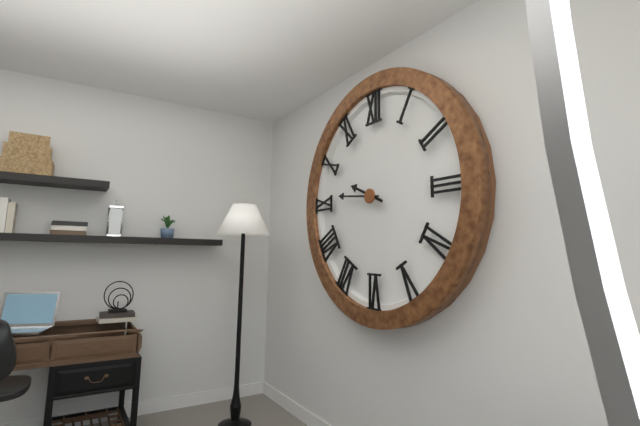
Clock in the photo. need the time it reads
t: 9:46
